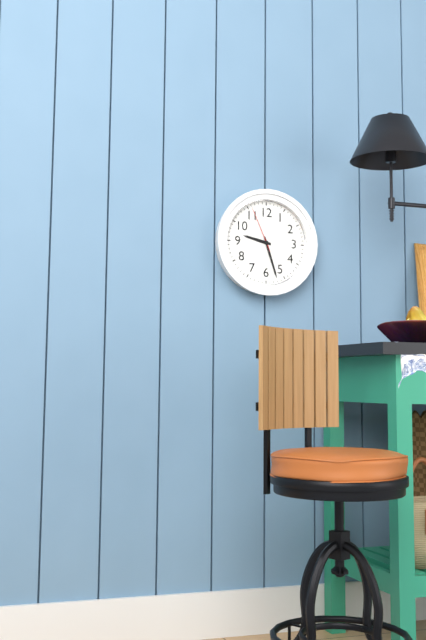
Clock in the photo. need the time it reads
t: 9:27
